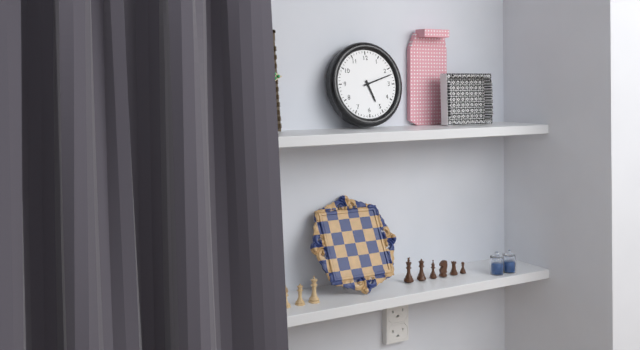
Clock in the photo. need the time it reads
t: 5:12
